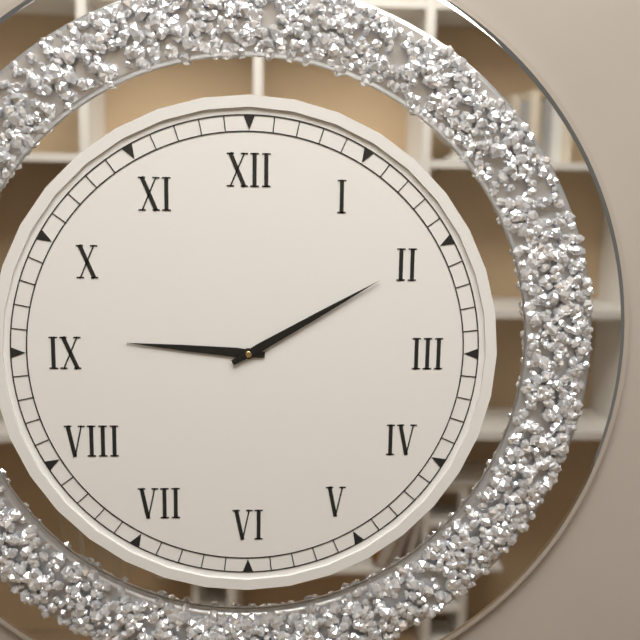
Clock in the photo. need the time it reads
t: 9:10
